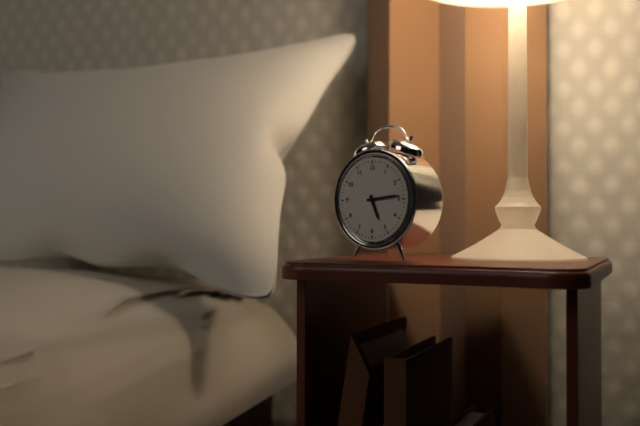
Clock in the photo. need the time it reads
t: 5:14
